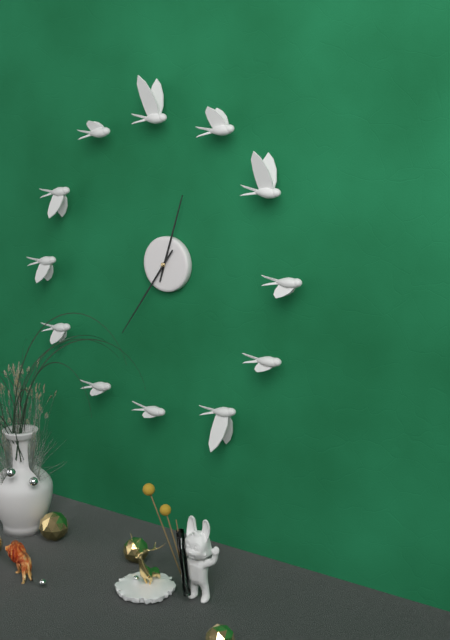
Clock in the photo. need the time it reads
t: 12:36
